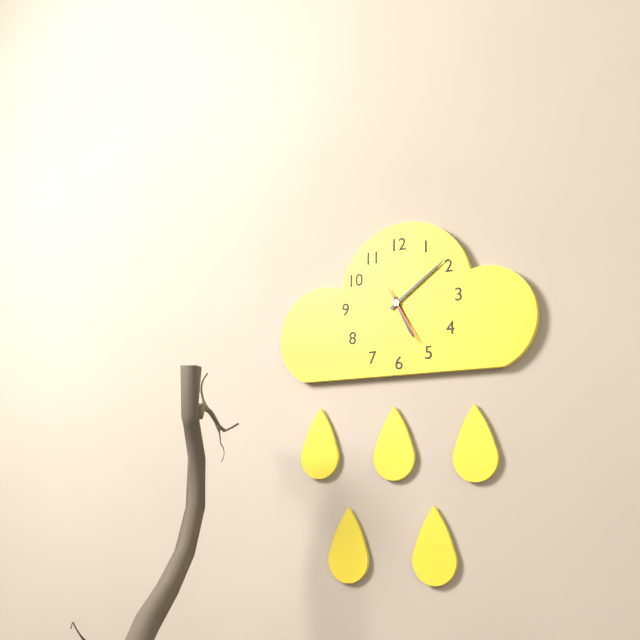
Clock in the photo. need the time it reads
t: 5:09:25
